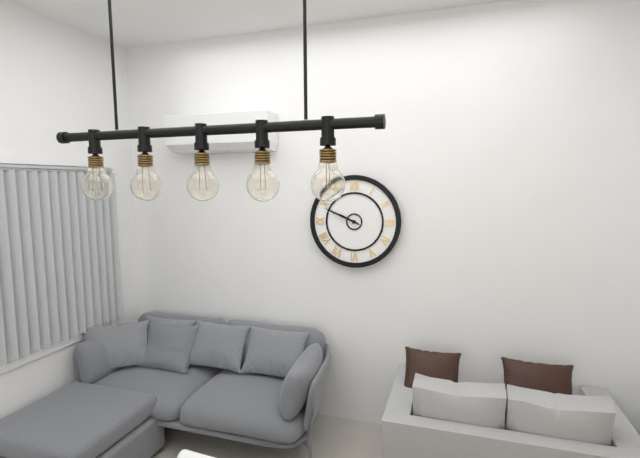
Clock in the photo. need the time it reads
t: 9:49
